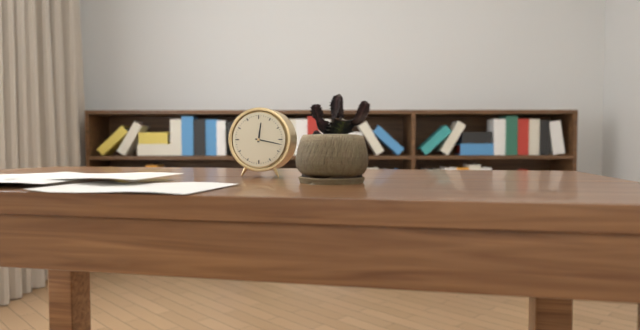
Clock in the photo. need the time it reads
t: 12:17
